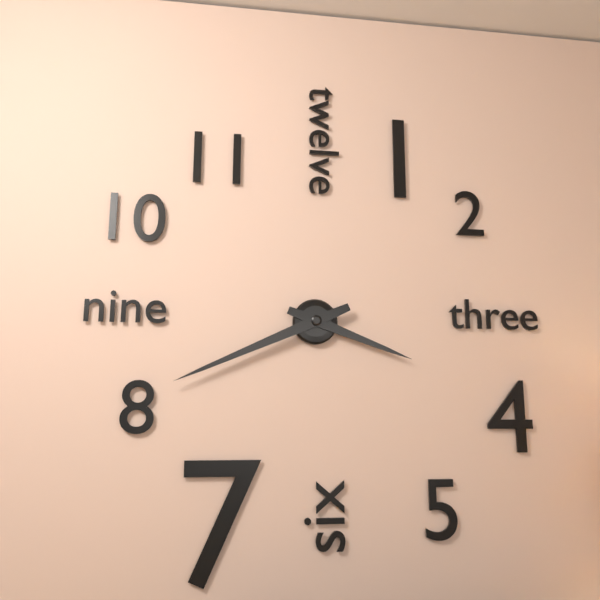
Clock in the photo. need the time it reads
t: 3:41
